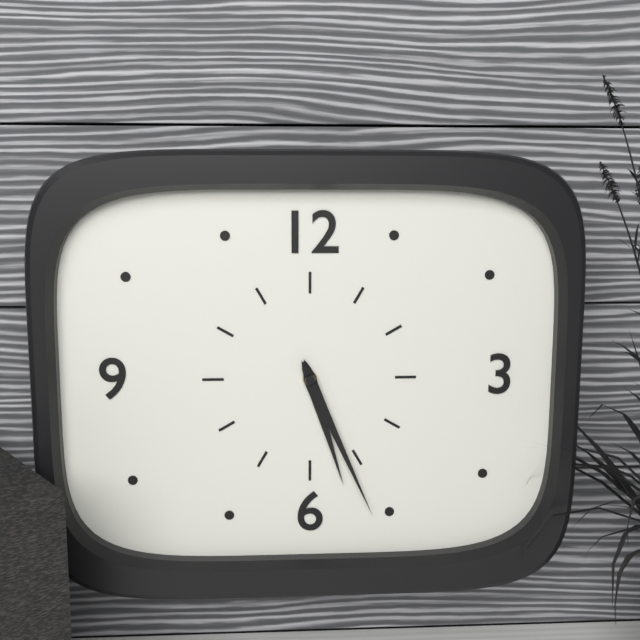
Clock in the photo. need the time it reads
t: 5:26
